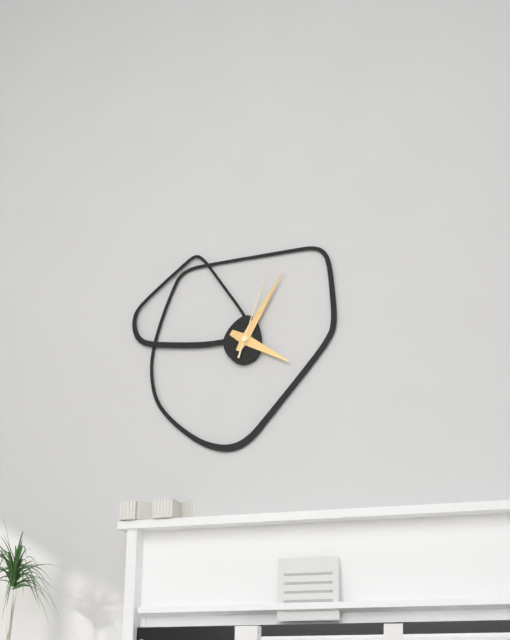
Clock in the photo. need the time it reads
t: 4:05:03
